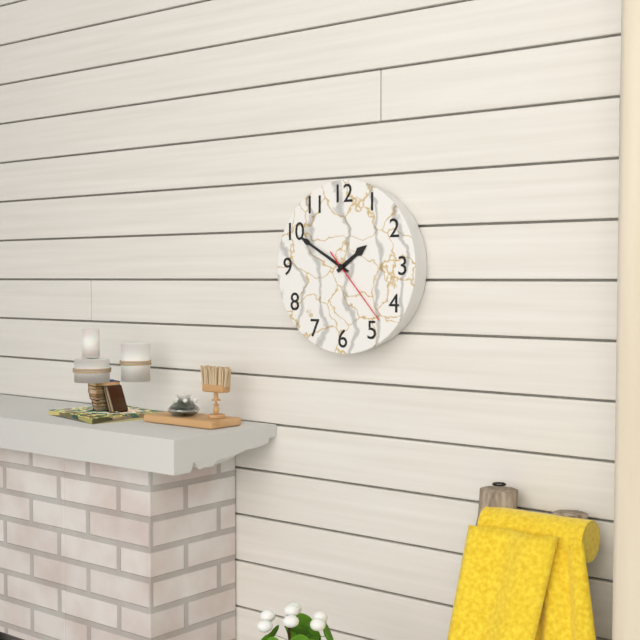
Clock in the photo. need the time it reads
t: 1:50:23
